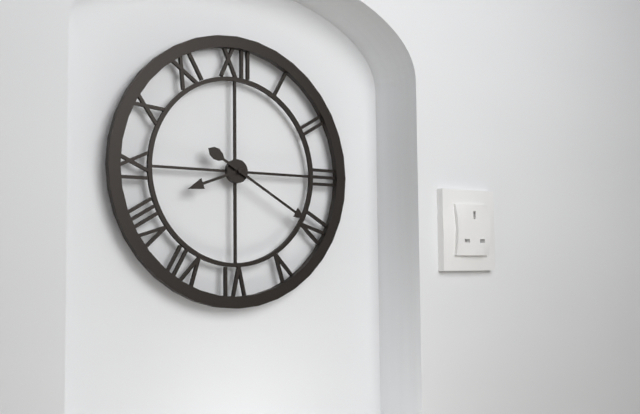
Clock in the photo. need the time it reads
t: 8:20
